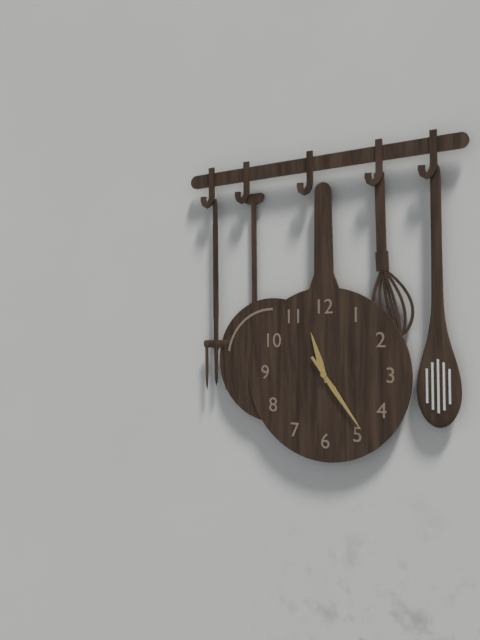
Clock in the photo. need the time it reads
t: 11:24
